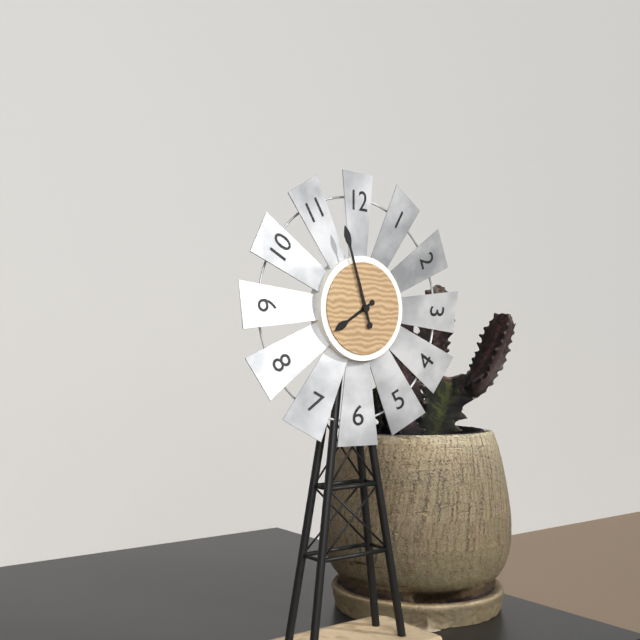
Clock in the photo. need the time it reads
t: 7:57
